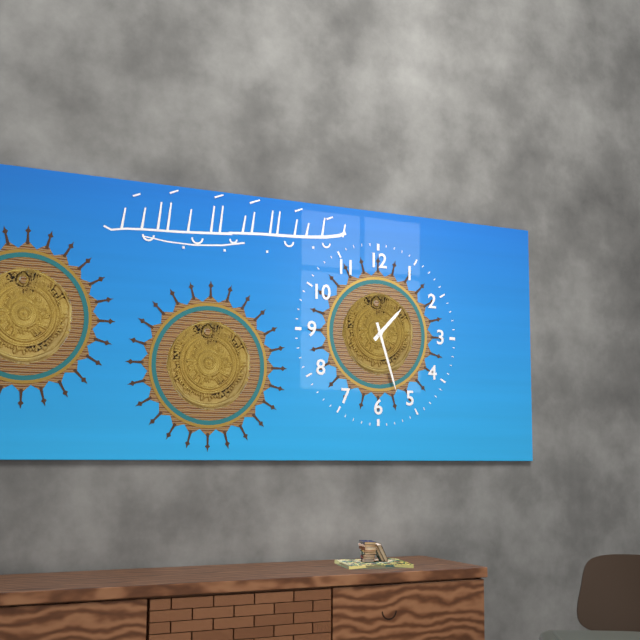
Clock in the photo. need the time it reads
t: 1:27
